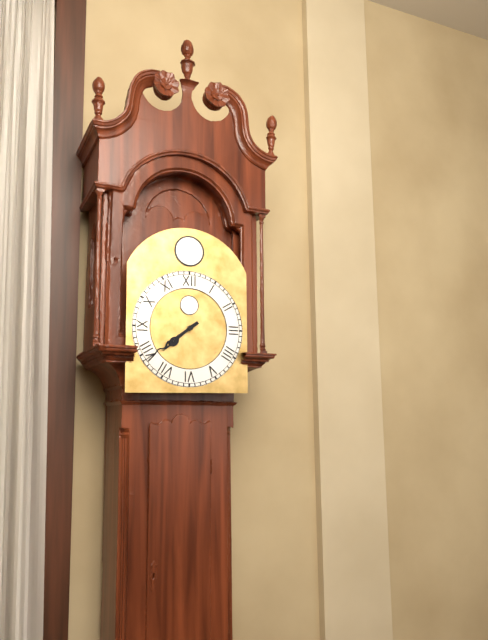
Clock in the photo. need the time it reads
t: 7:39
